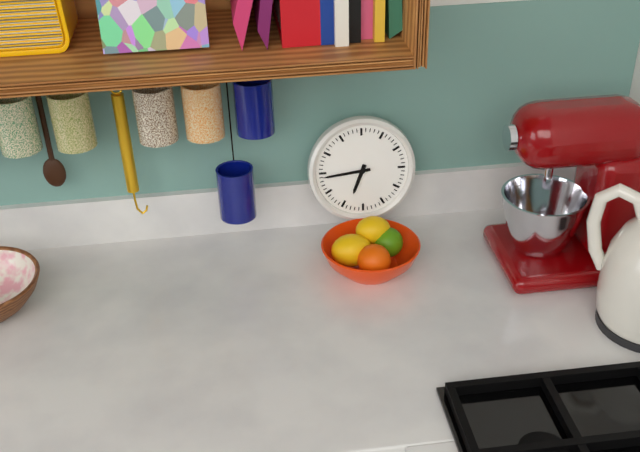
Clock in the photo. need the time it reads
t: 6:44
